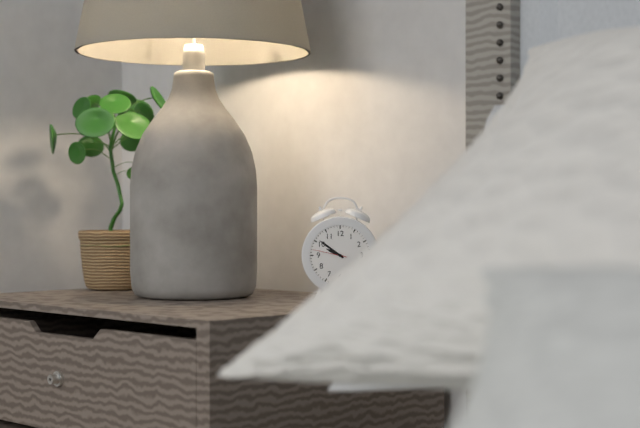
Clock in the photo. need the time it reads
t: 9:51
